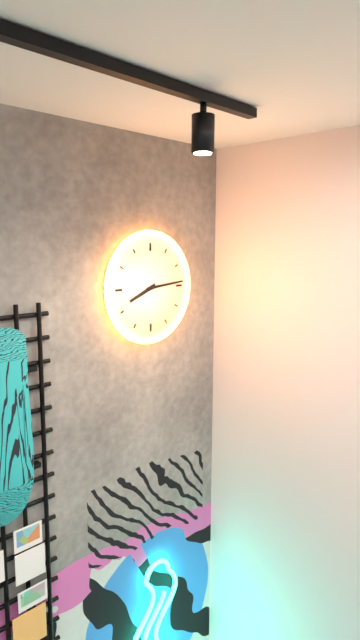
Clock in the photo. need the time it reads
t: 8:14
